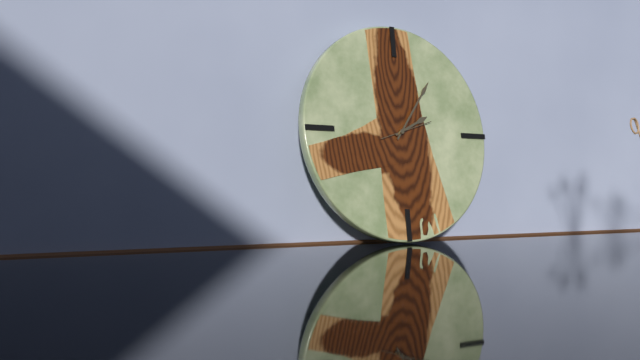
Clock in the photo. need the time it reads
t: 2:06:12
